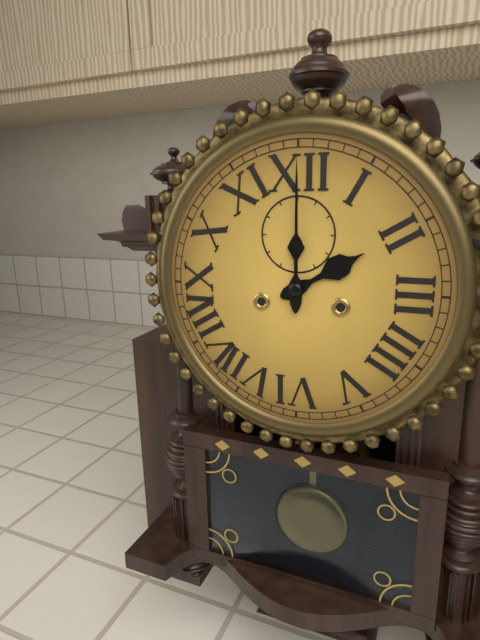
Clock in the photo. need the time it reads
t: 2:00
